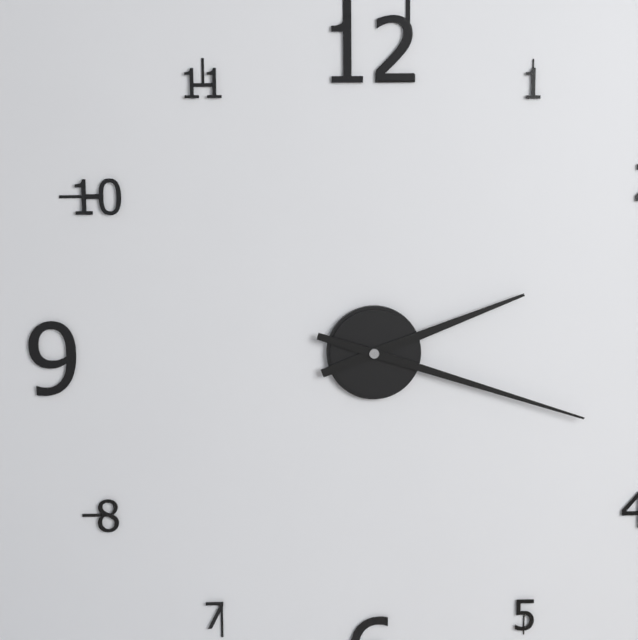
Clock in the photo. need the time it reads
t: 2:18
